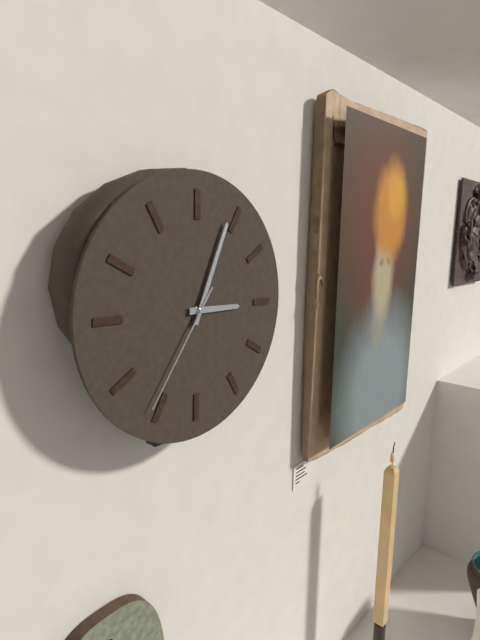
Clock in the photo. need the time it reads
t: 3:04:36
